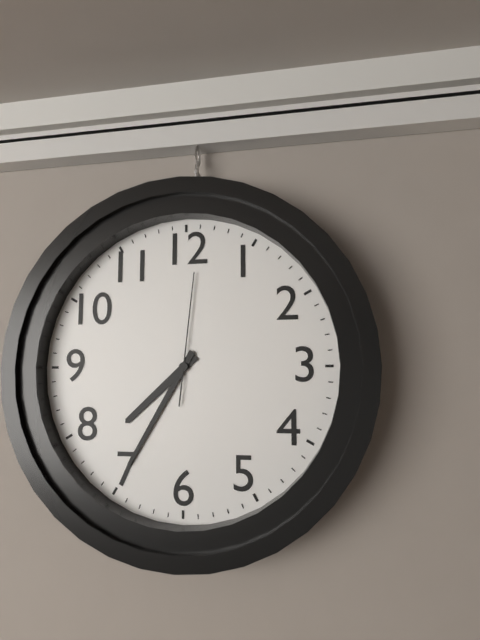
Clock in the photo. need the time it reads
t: 7:35:01
